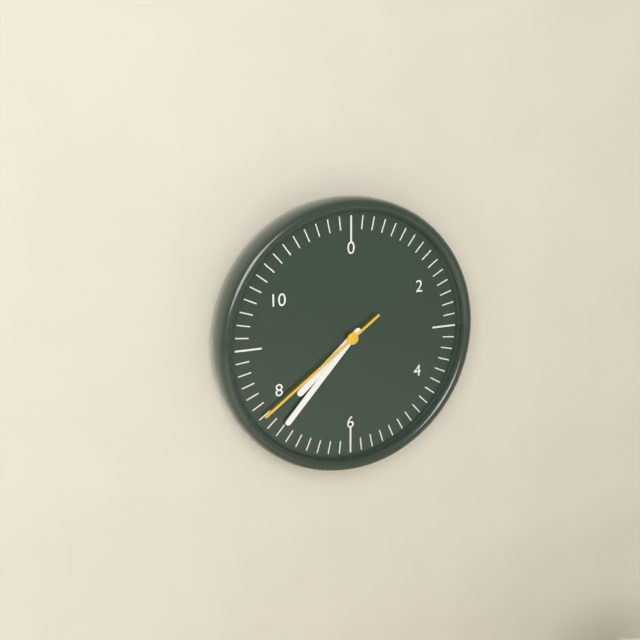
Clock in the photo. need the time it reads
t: 7:37:39
